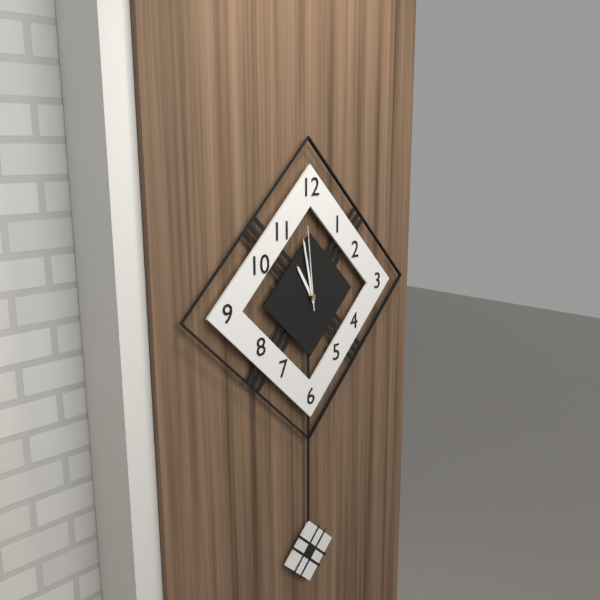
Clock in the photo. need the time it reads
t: 10:58:59
